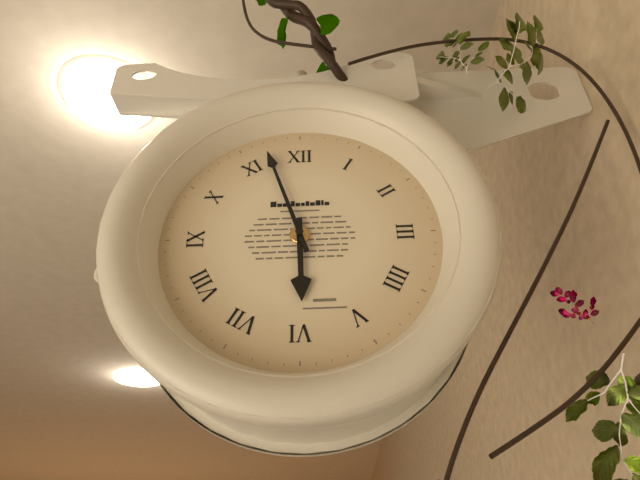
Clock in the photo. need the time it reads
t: 5:57
